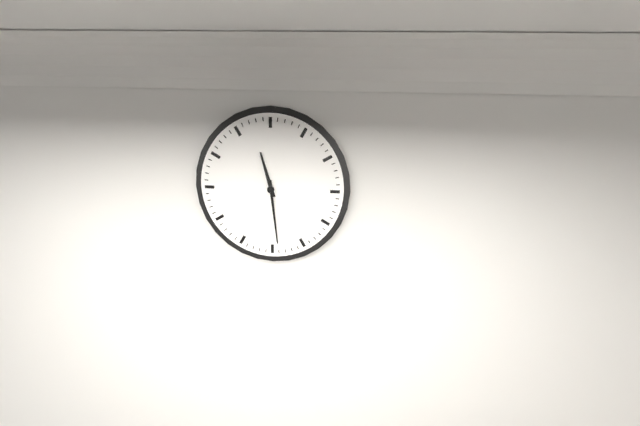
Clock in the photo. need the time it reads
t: 11:29
